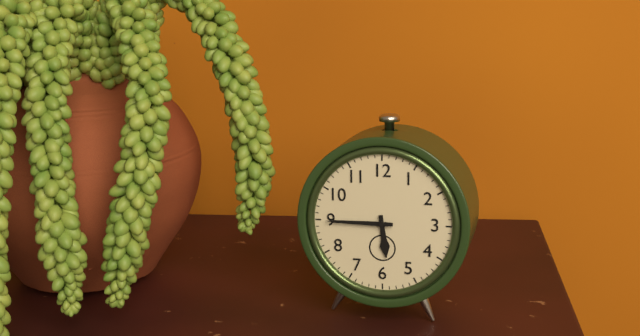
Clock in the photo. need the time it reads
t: 5:45
